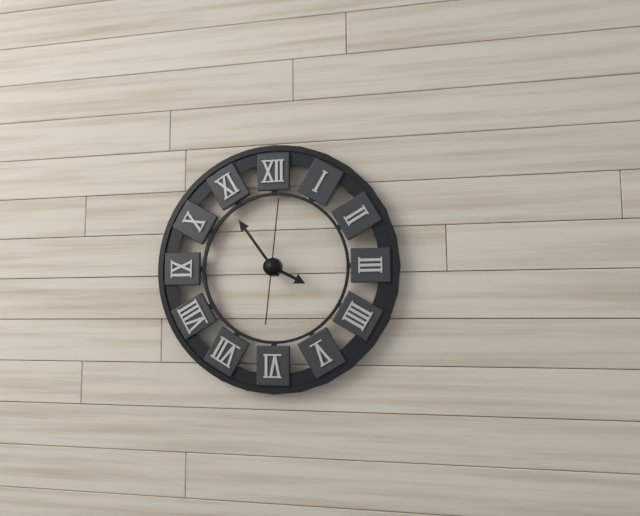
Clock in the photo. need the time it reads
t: 3:54:01
